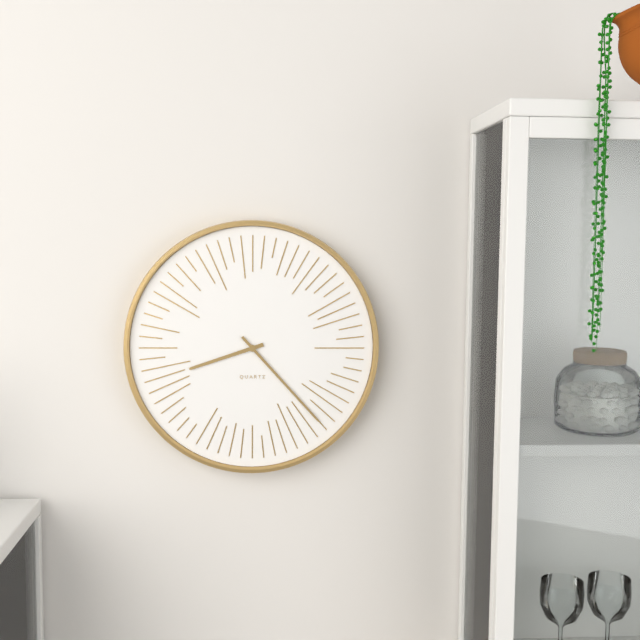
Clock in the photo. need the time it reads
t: 8:23
